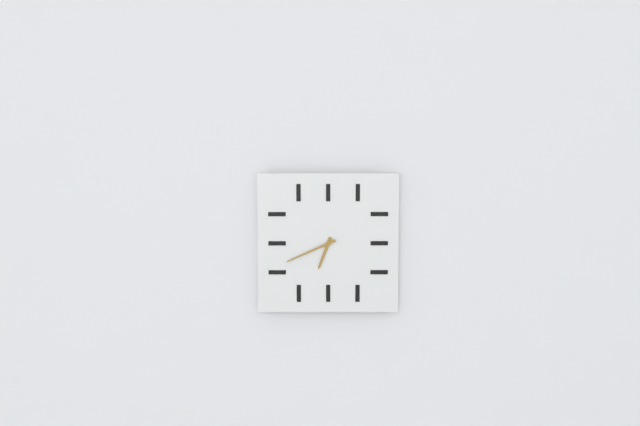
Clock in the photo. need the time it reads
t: 6:41
